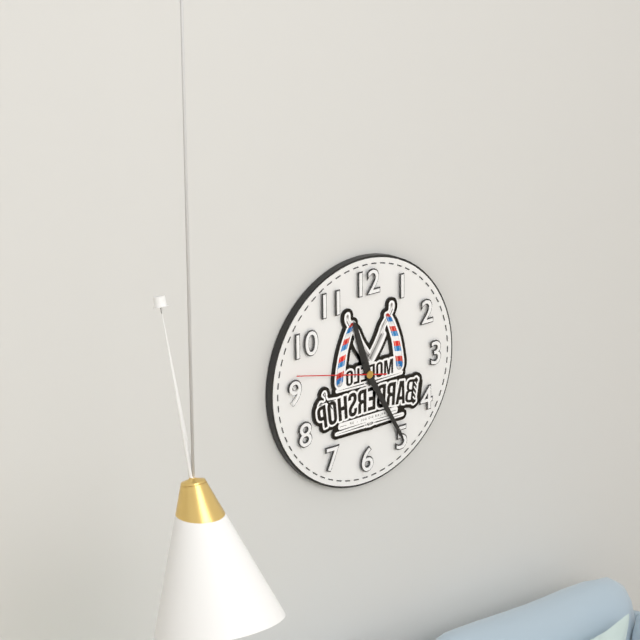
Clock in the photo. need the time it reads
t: 11:25:47
